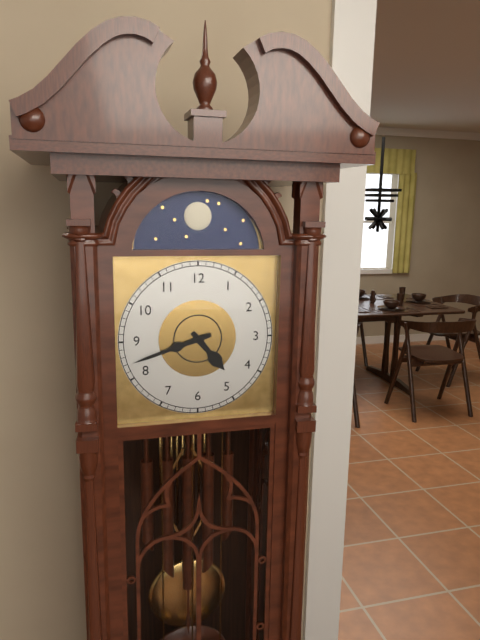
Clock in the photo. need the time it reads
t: 4:42
